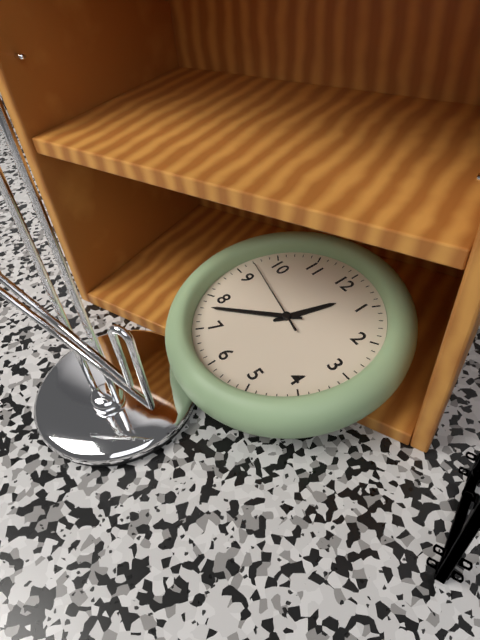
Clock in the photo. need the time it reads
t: 12:38:47
